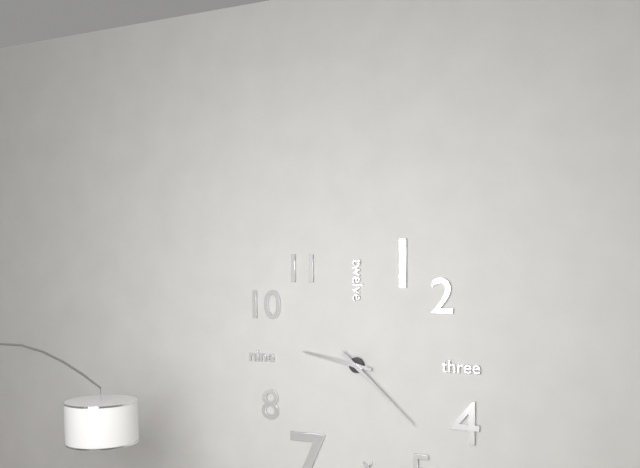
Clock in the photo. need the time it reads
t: 9:22
